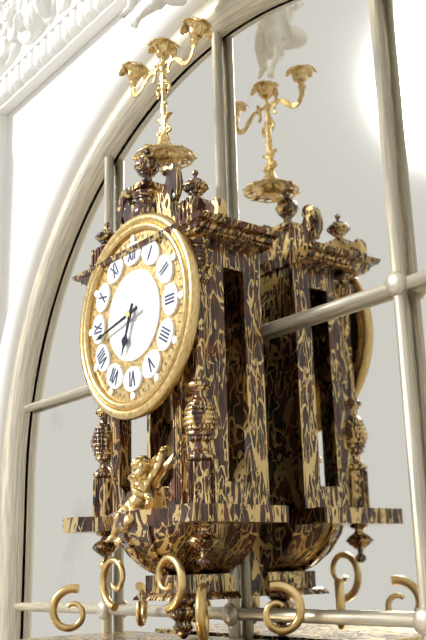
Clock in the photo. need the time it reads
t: 6:43
